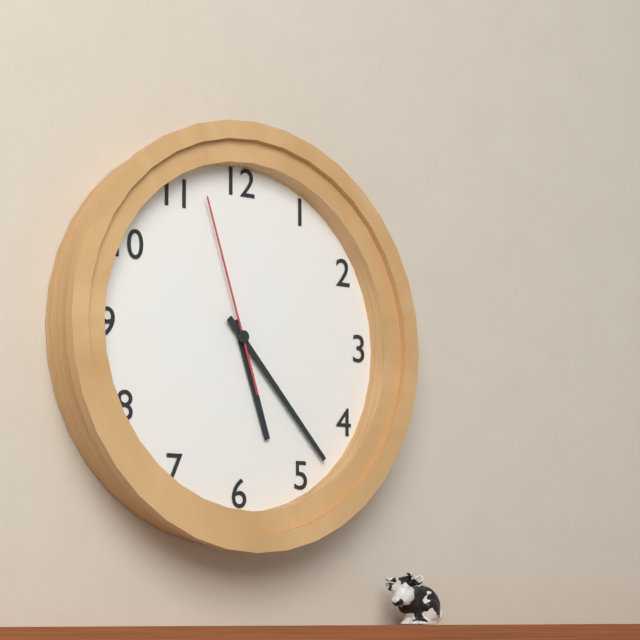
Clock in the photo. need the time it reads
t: 5:23:57
